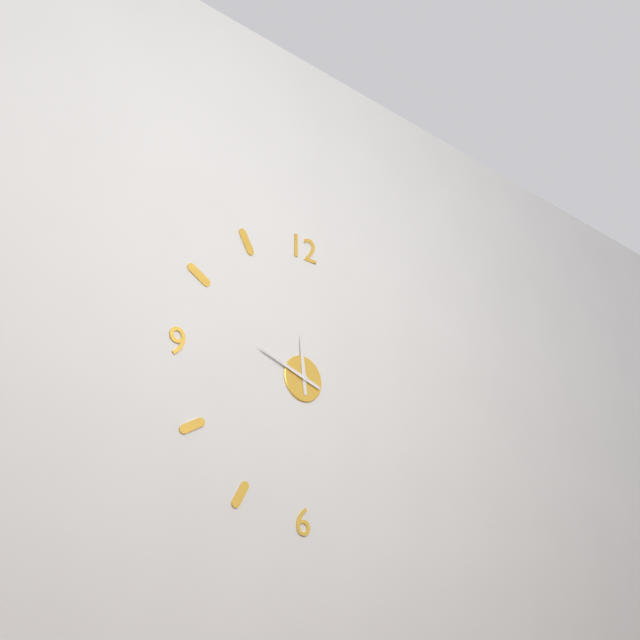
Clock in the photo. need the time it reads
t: 11:48
